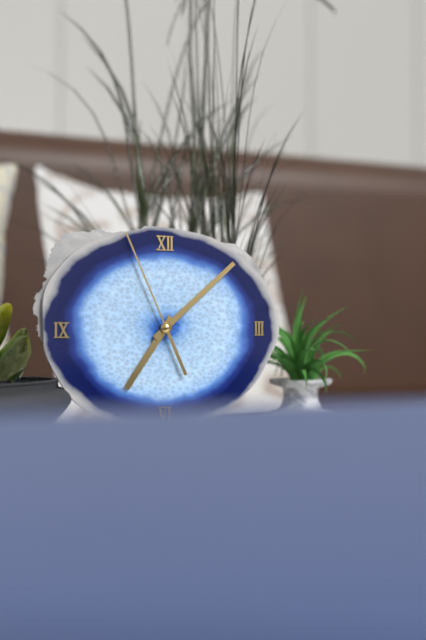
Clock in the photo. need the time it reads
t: 7:08:56
